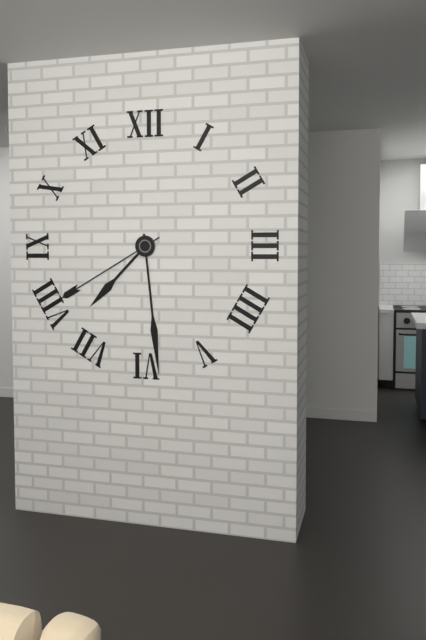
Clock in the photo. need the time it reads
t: 7:29:40
